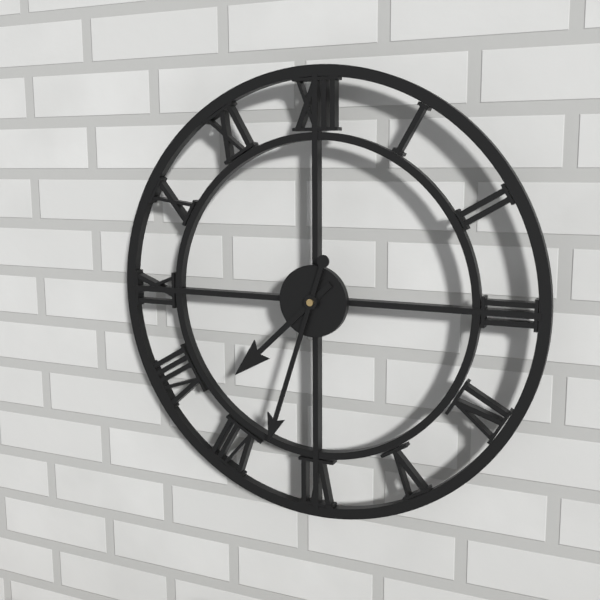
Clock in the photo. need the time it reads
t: 7:33
